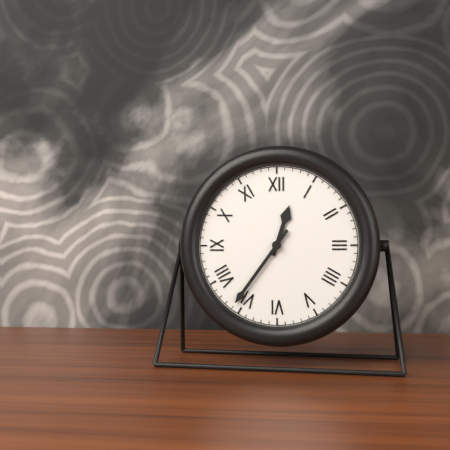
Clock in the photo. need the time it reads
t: 12:36
